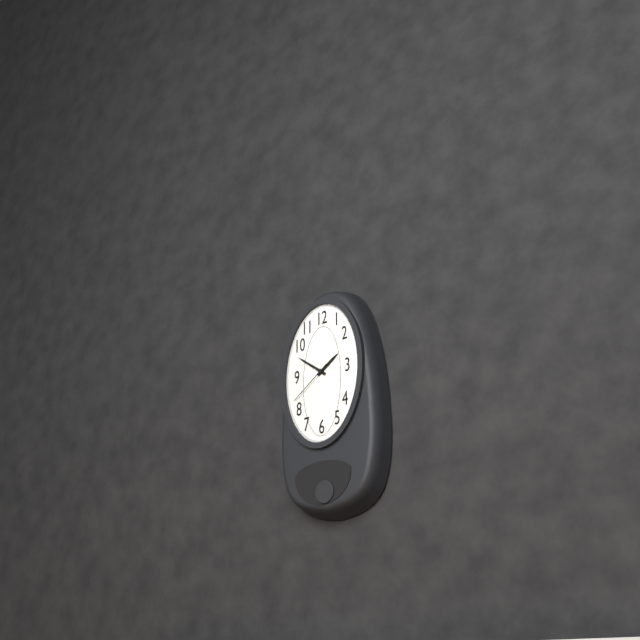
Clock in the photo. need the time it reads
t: 1:51
